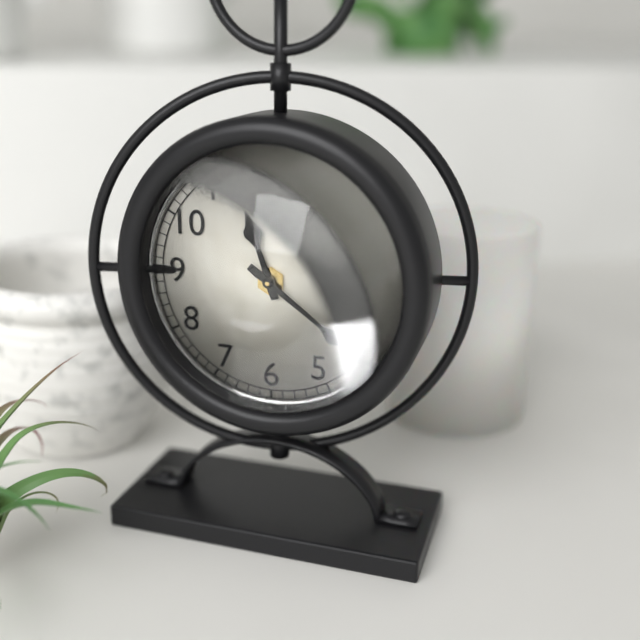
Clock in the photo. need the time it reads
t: 11:21
